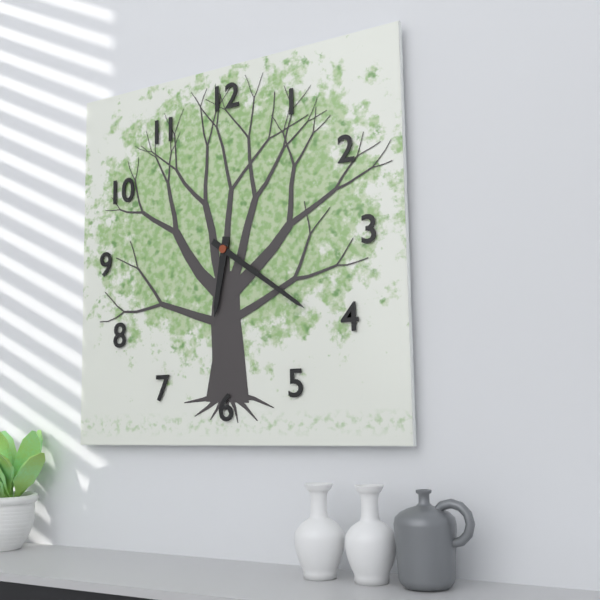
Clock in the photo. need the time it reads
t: 6:21
